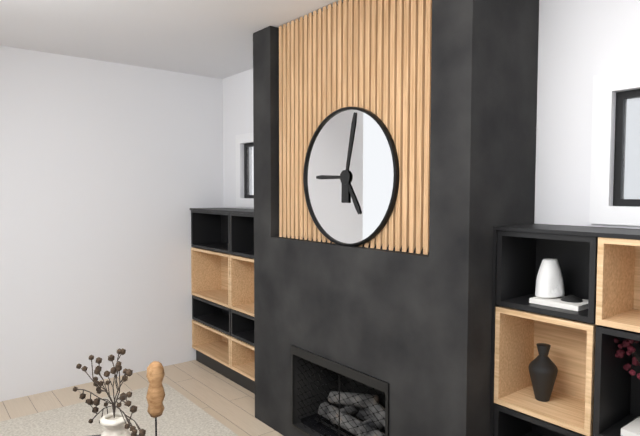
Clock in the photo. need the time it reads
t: 9:02
